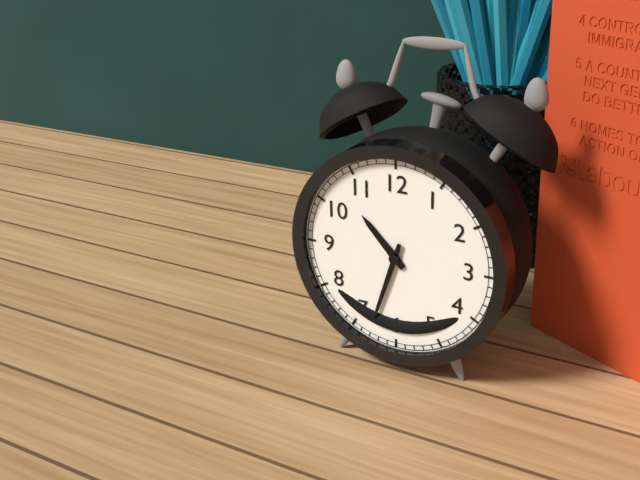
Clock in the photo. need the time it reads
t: 10:33
